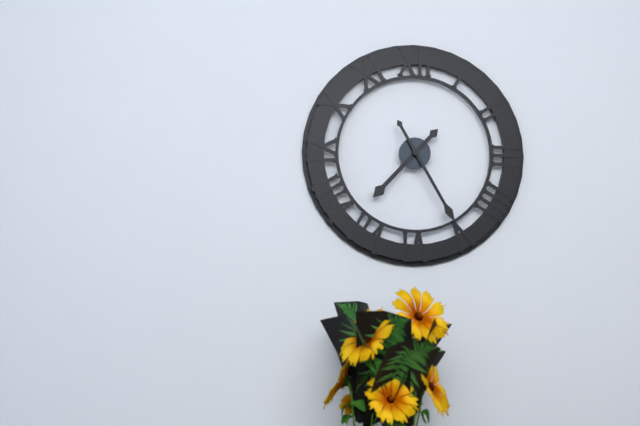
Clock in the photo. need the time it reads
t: 7:25
